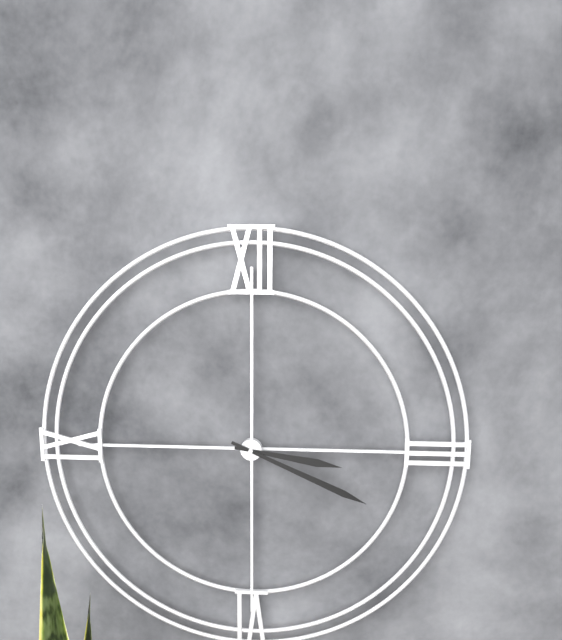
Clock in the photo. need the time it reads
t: 3:19
